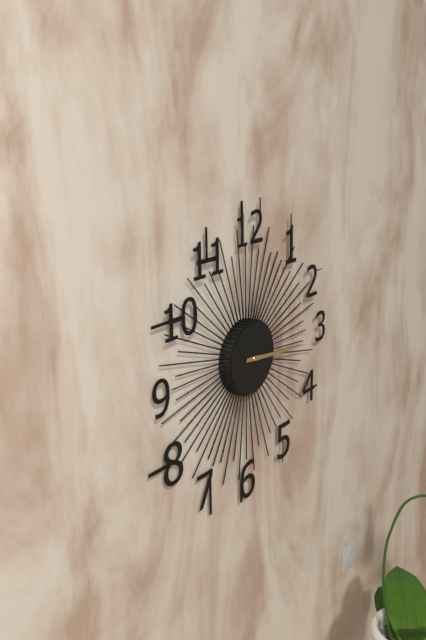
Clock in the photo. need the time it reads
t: 3:16
